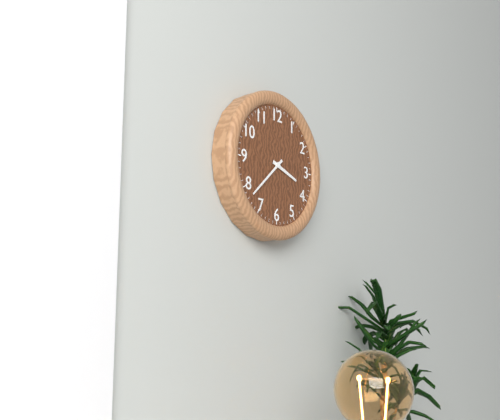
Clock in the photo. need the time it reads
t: 3:38
